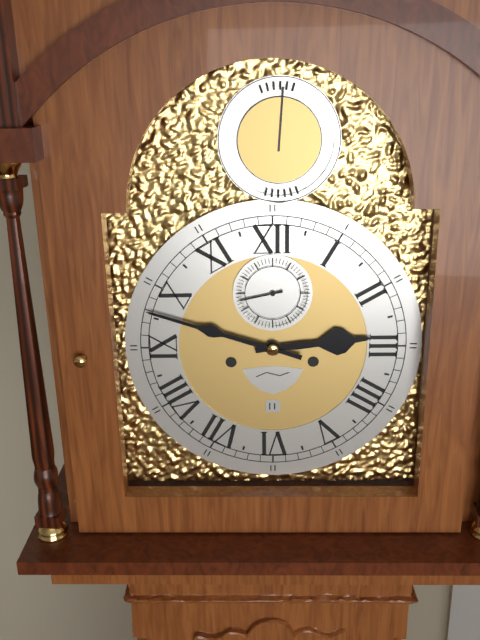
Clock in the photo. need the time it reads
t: 2:48
